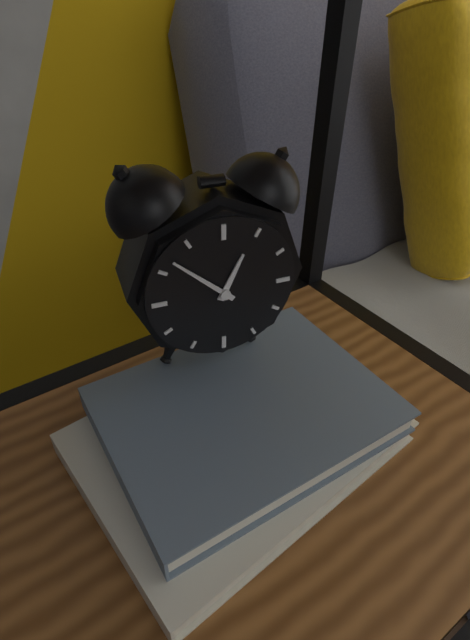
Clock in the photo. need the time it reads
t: 12:52
